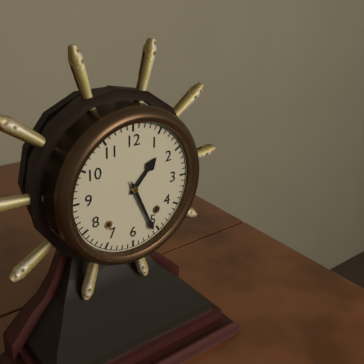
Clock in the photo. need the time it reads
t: 1:26
